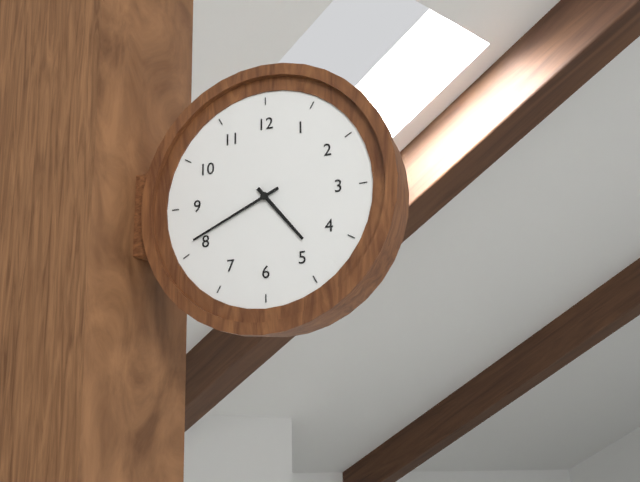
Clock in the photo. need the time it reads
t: 4:41
